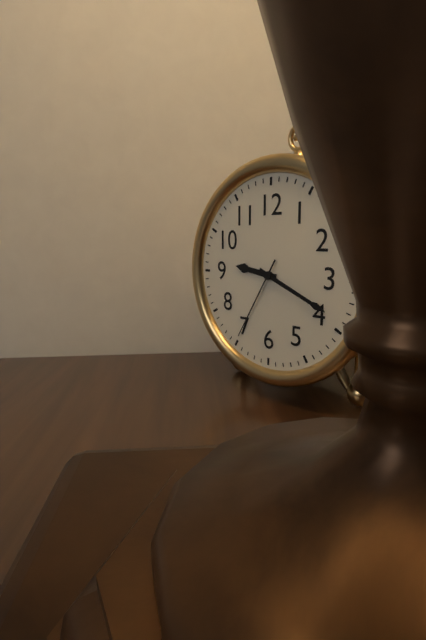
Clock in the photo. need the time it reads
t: 9:19:35
